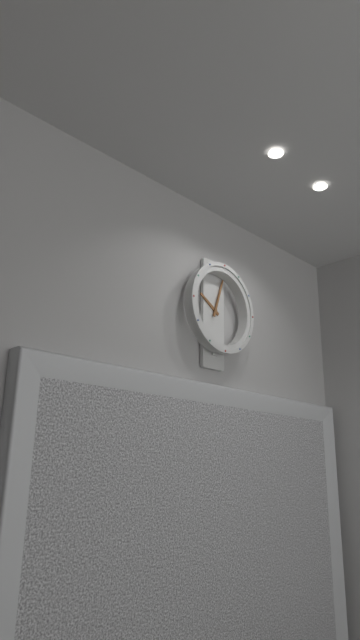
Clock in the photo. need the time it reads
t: 10:03
